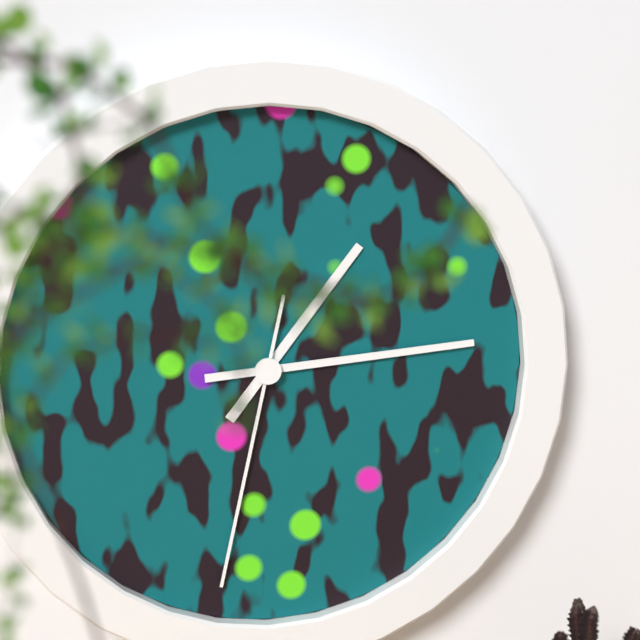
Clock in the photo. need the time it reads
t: 1:14:32
